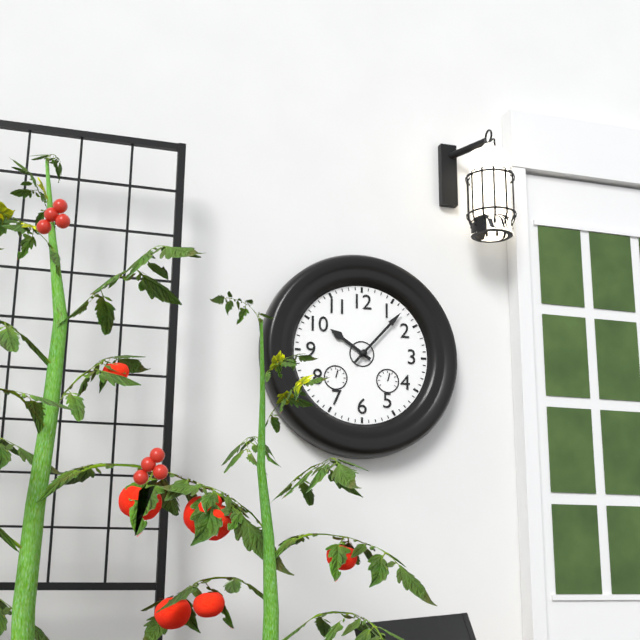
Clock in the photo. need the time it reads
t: 10:07
